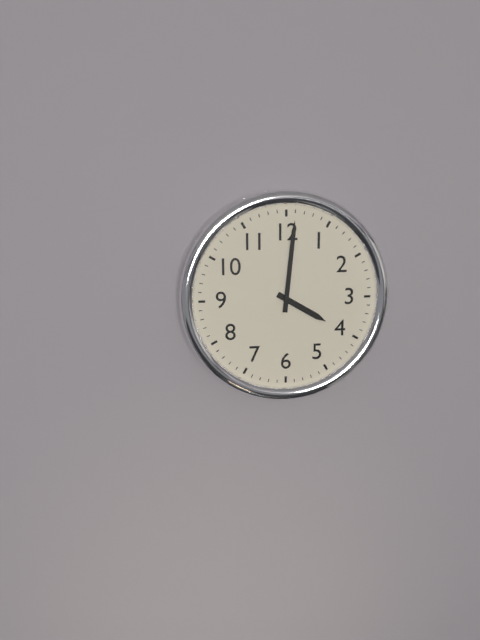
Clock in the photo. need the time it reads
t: 4:01
